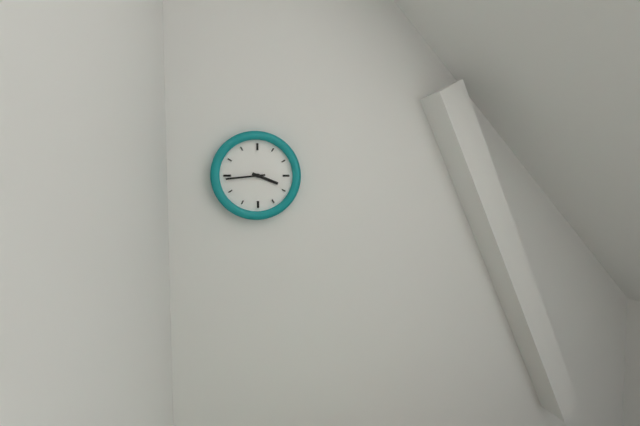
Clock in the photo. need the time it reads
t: 3:44
